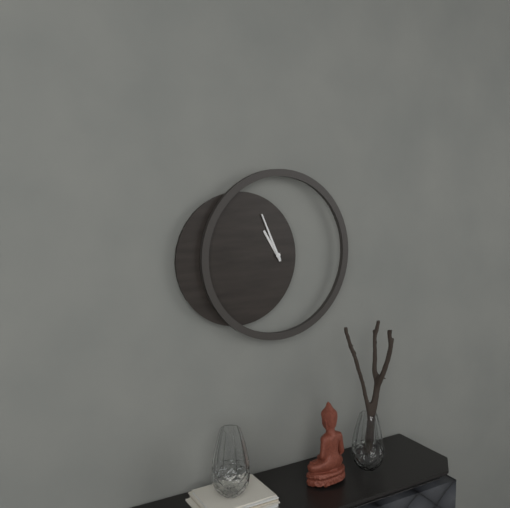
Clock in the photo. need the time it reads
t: 10:56
